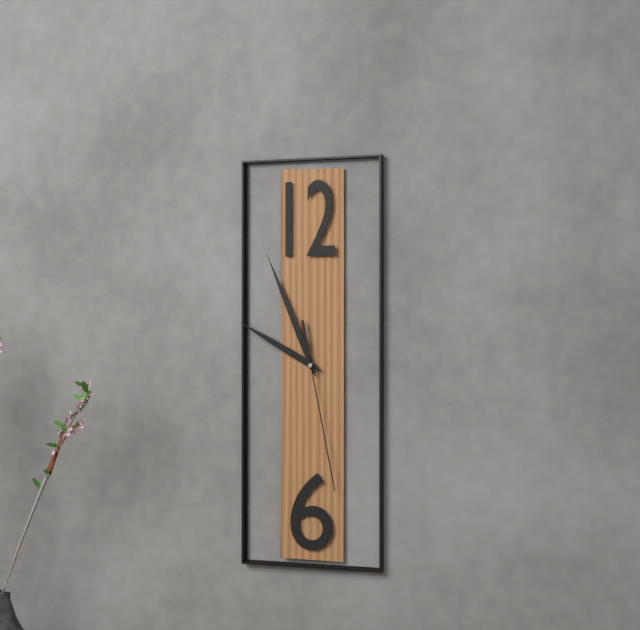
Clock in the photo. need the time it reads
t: 9:56:28
